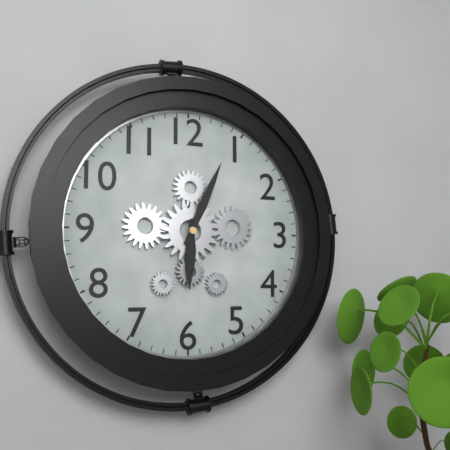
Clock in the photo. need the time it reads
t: 6:04
